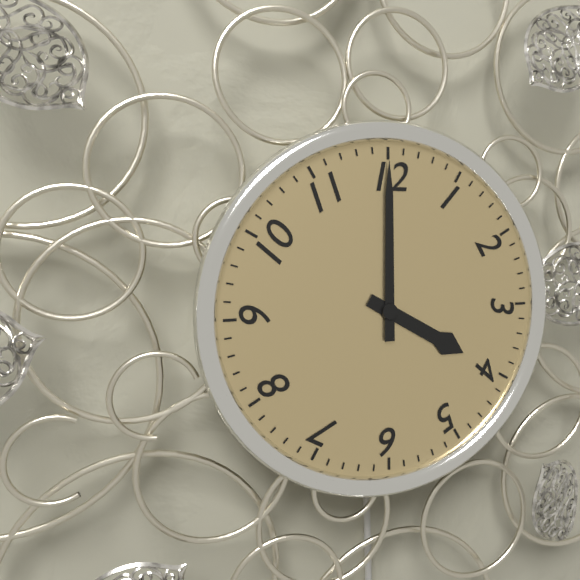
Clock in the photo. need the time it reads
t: 4:00
